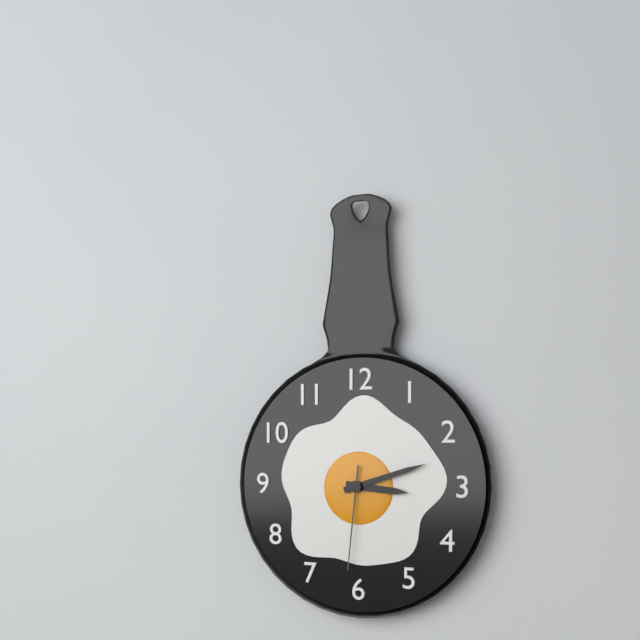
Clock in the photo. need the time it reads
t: 3:12:31
